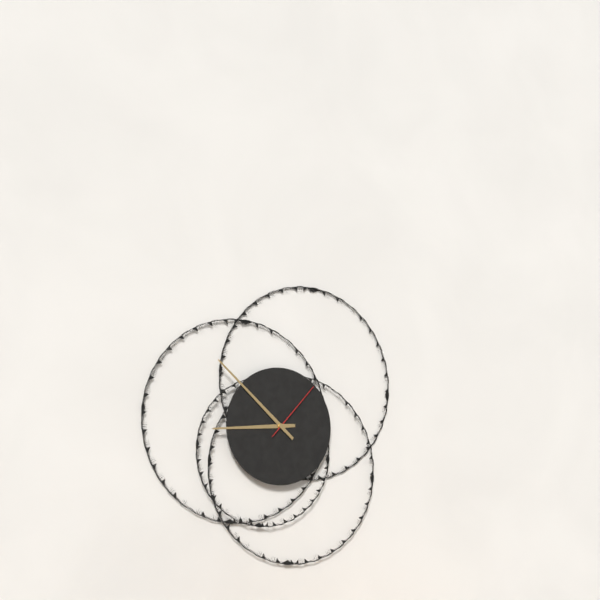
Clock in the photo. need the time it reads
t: 8:52:07
